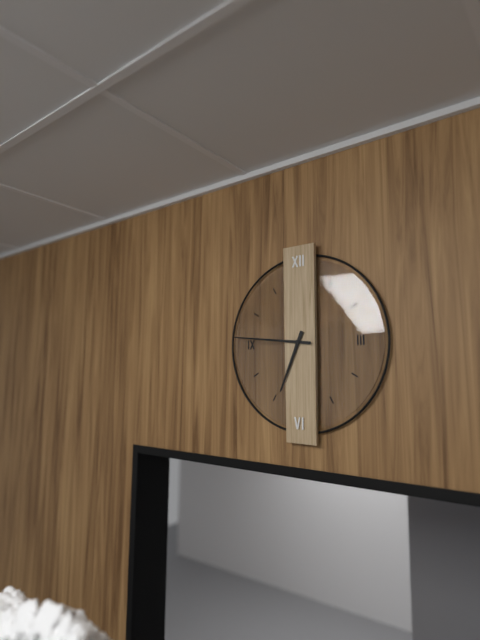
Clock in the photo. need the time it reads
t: 6:46
